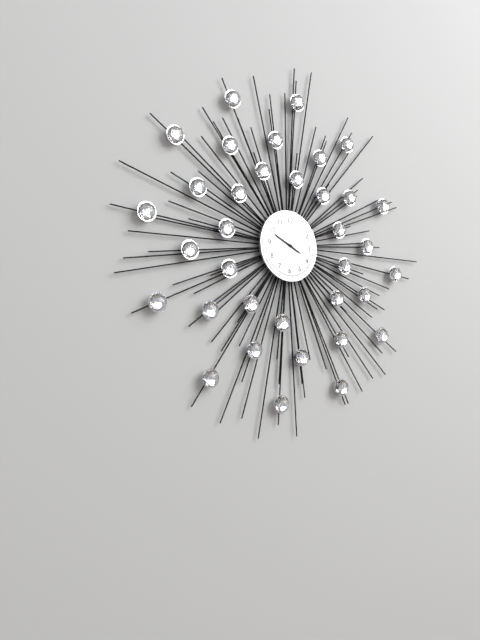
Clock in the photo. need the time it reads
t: 3:49
